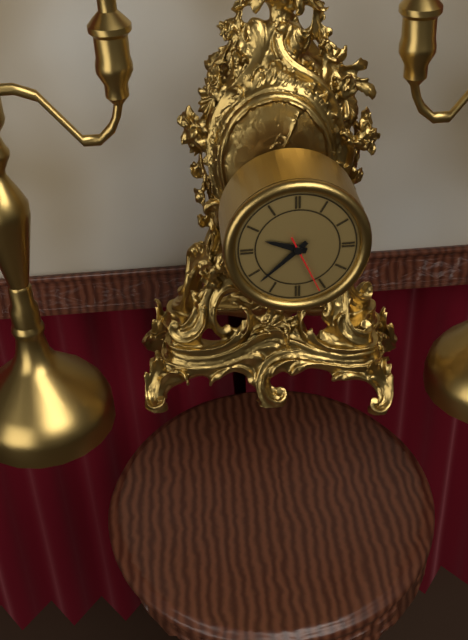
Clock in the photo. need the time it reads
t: 9:38:26
